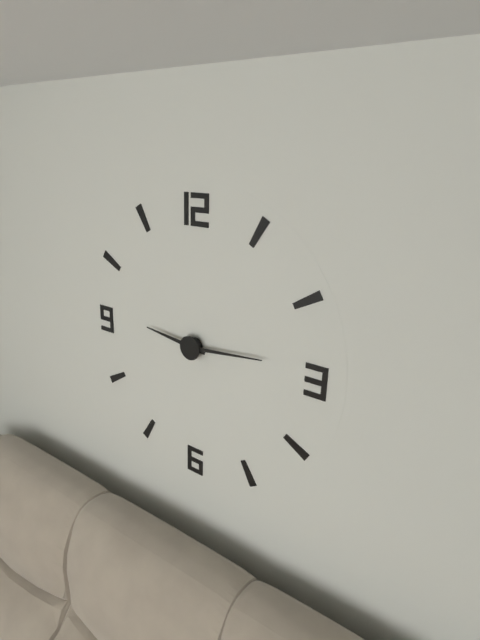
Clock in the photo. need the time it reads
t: 9:14
